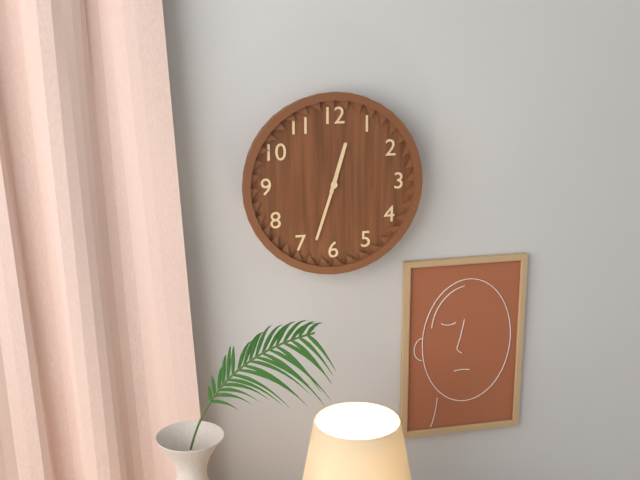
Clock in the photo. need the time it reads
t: 12:33
